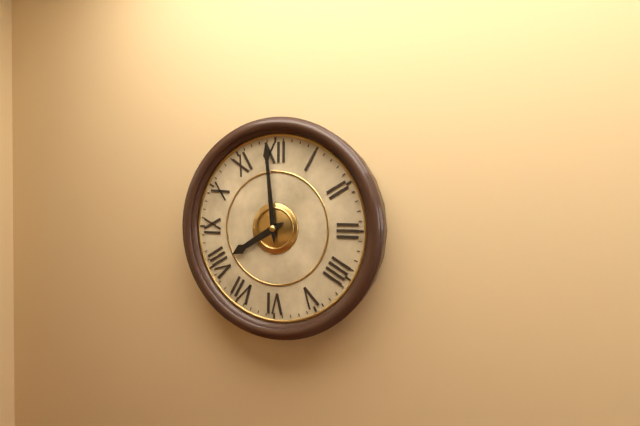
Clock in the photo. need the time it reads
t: 7:59
